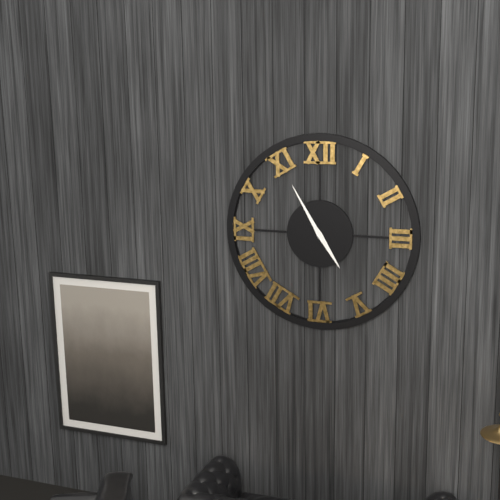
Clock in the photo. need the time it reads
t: 4:55
